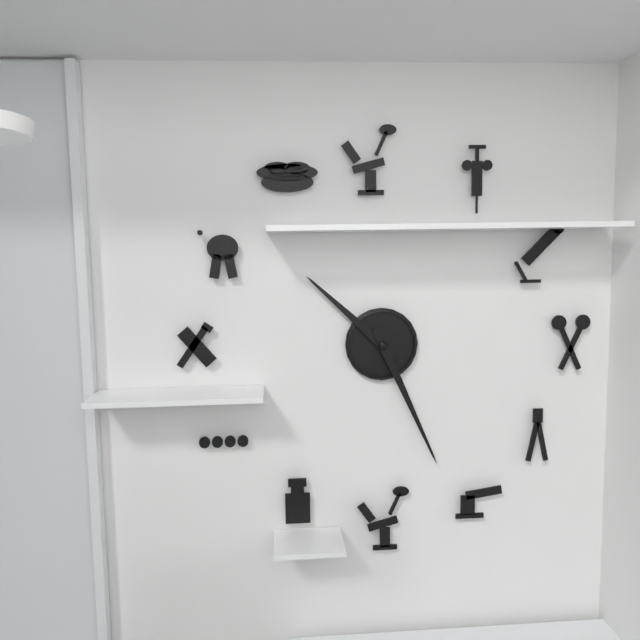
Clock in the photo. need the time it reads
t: 10:26
